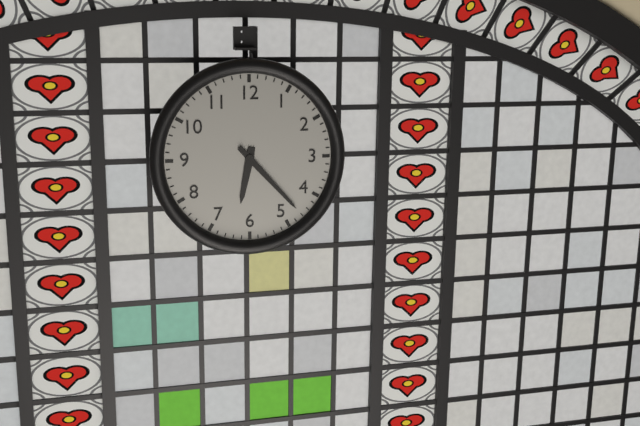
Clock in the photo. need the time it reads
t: 6:23
